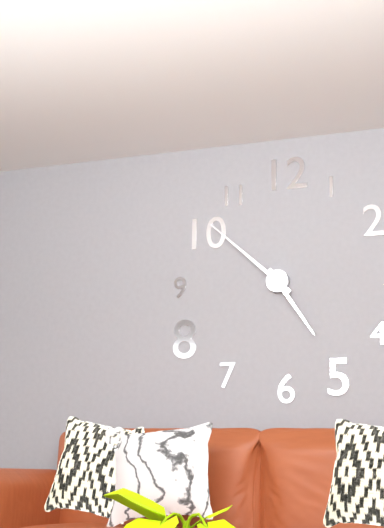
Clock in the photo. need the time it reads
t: 4:52
